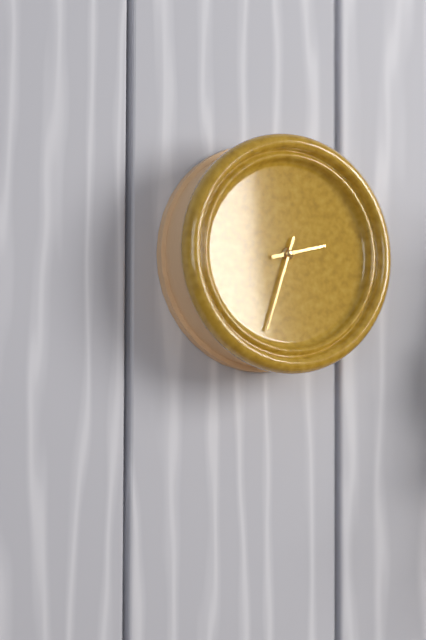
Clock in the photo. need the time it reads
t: 2:33
